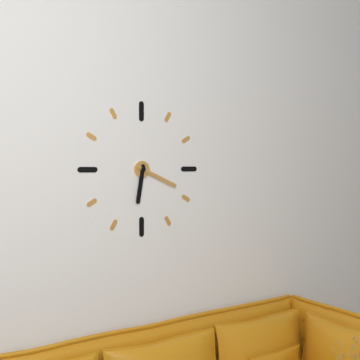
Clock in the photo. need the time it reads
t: 6:19
